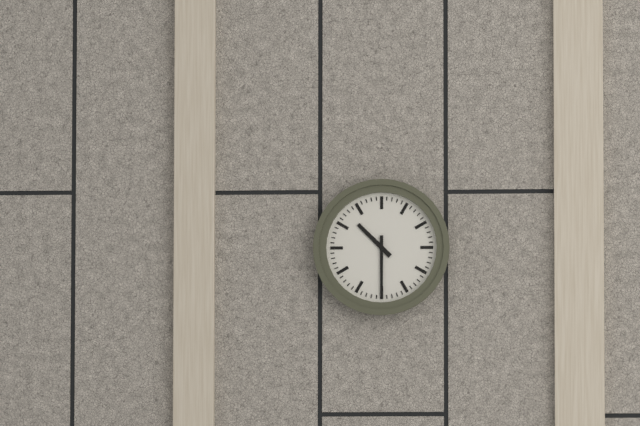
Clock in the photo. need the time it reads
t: 10:30
